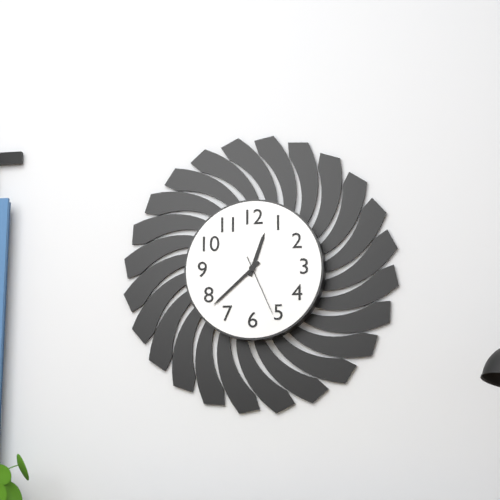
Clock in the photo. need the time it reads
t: 12:38:26
